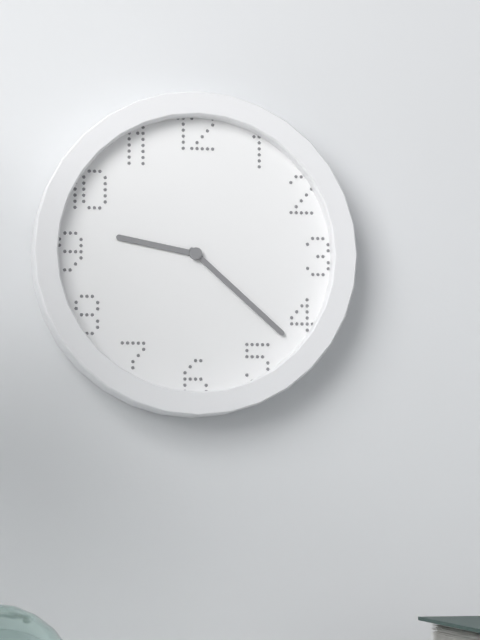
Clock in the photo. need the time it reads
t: 9:22
